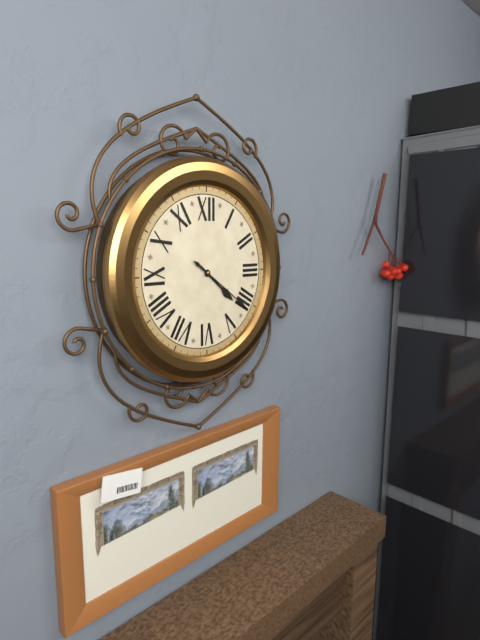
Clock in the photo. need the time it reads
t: 4:21
